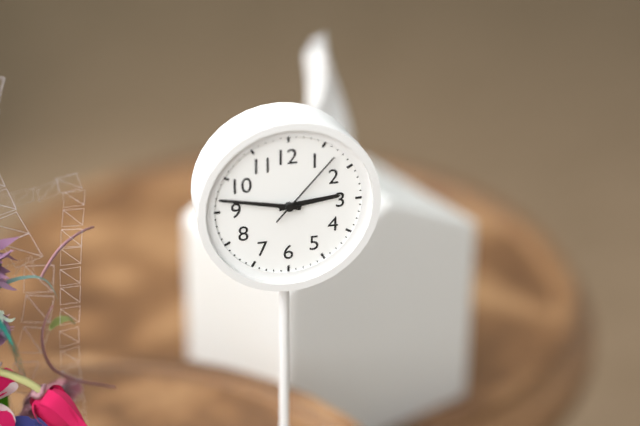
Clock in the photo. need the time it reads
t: 2:47:07
